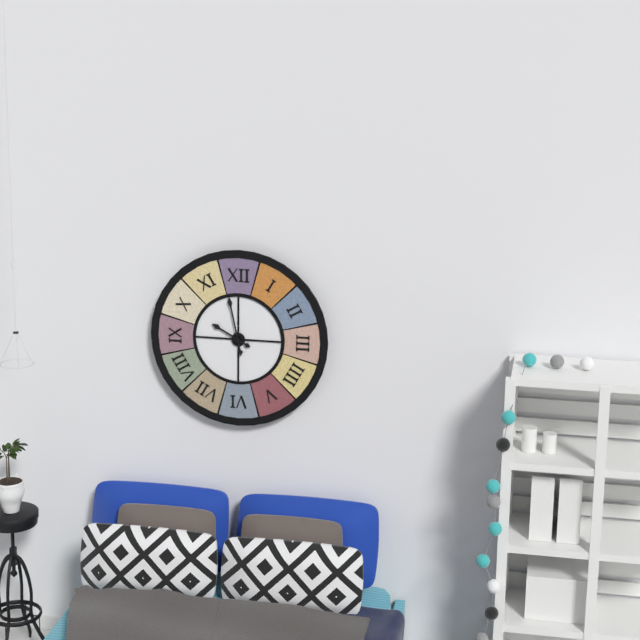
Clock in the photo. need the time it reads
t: 9:58
